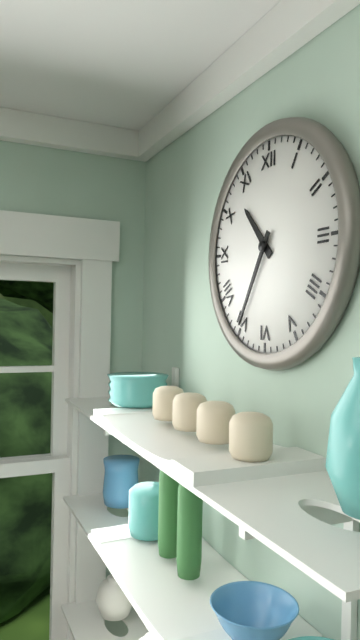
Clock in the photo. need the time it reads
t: 10:35
